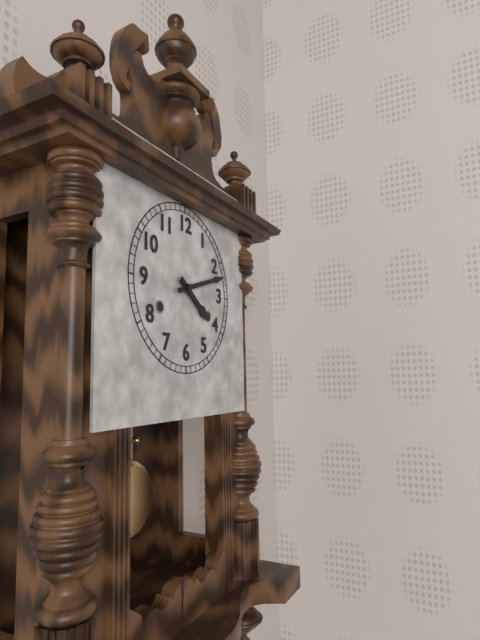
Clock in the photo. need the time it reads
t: 4:12
